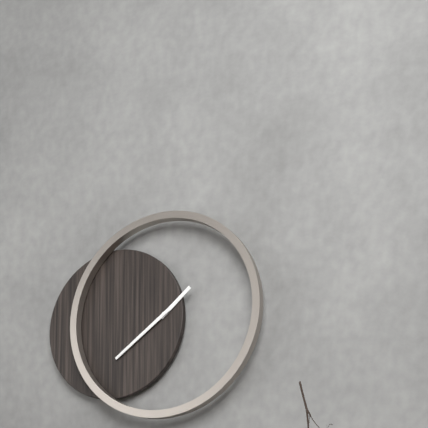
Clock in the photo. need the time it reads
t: 1:39
